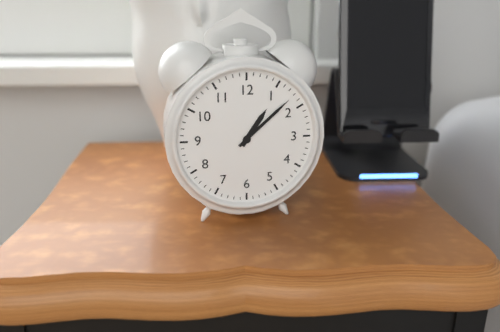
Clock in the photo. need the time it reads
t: 1:08
